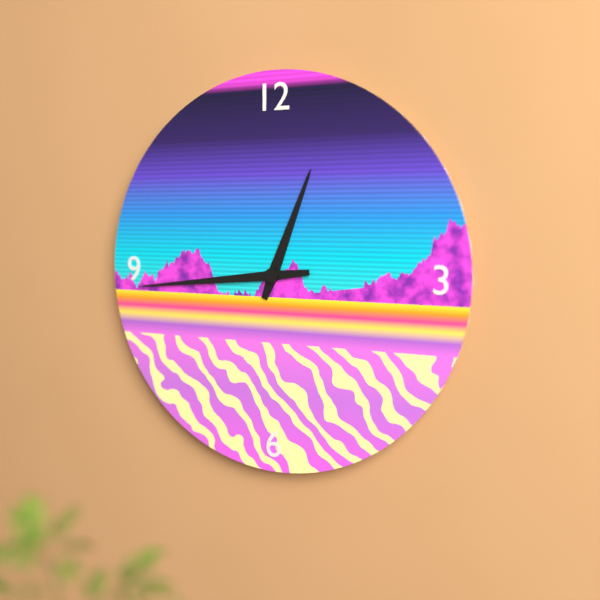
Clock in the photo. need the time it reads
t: 12:44
